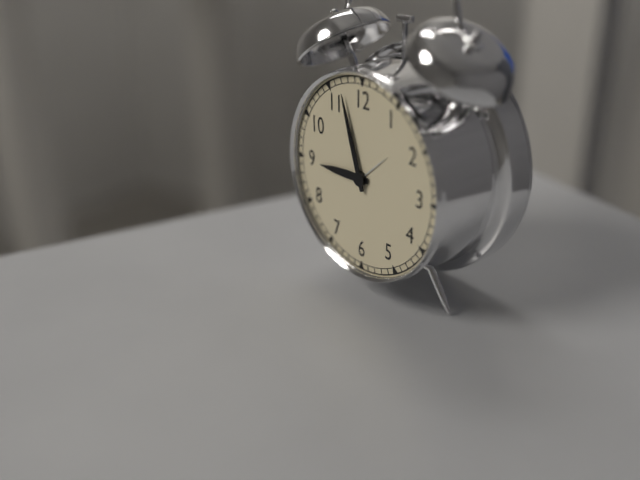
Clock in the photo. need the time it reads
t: 8:57
